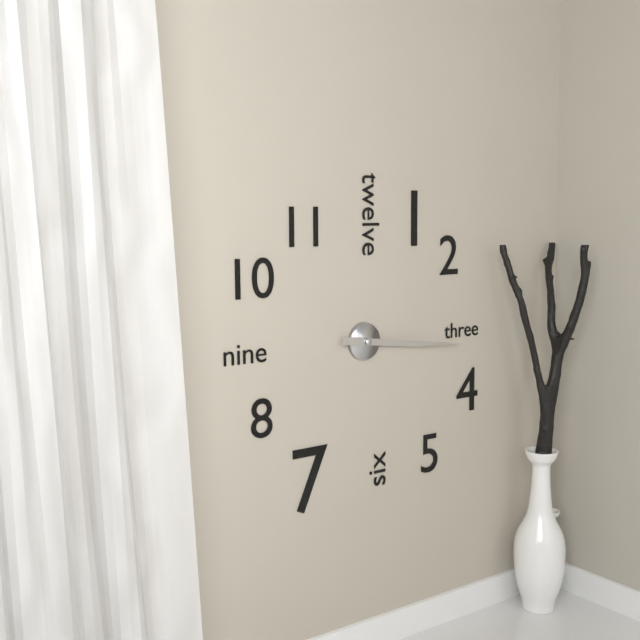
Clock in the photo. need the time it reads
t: 3:16
